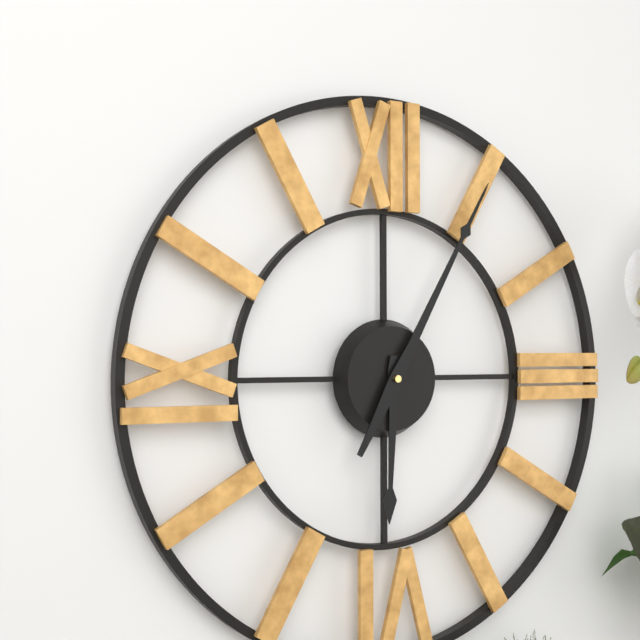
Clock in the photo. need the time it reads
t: 6:05
